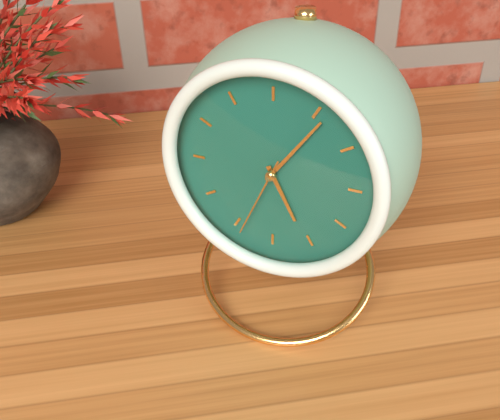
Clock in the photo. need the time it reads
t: 5:06:34
